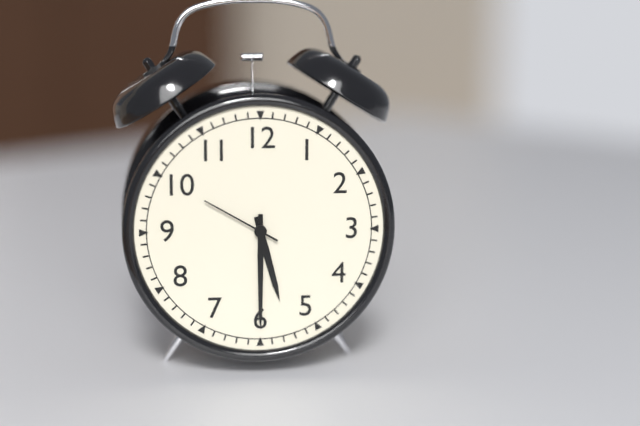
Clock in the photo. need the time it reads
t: 5:30:50
